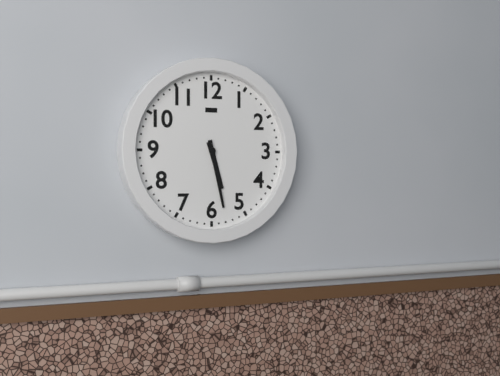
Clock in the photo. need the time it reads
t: 5:28
